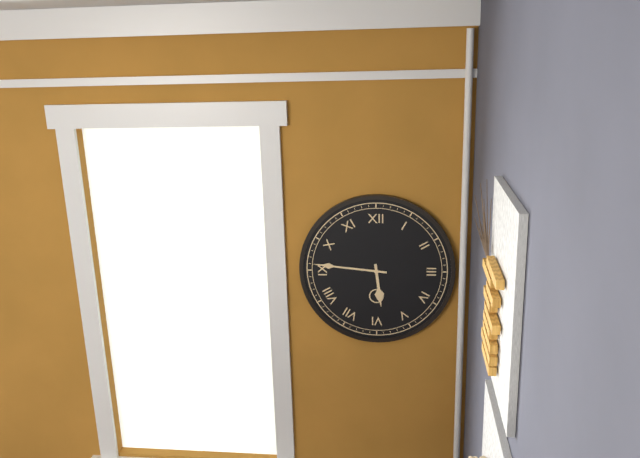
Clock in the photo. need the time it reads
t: 5:46
